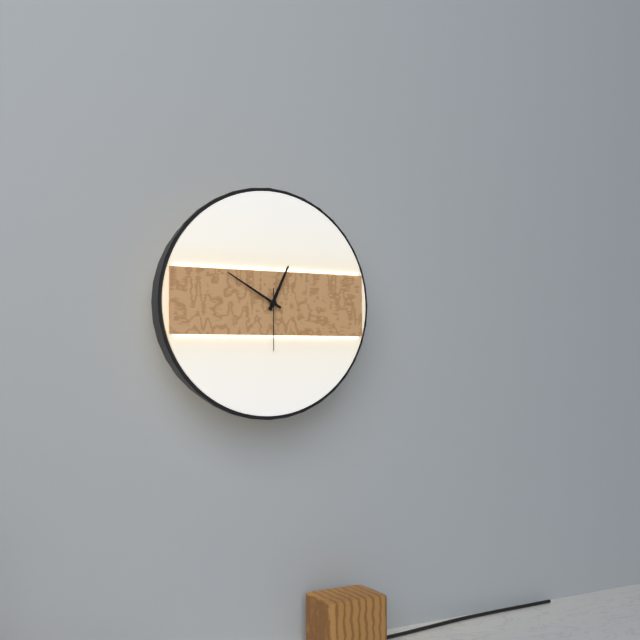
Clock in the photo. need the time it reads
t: 12:50:30
